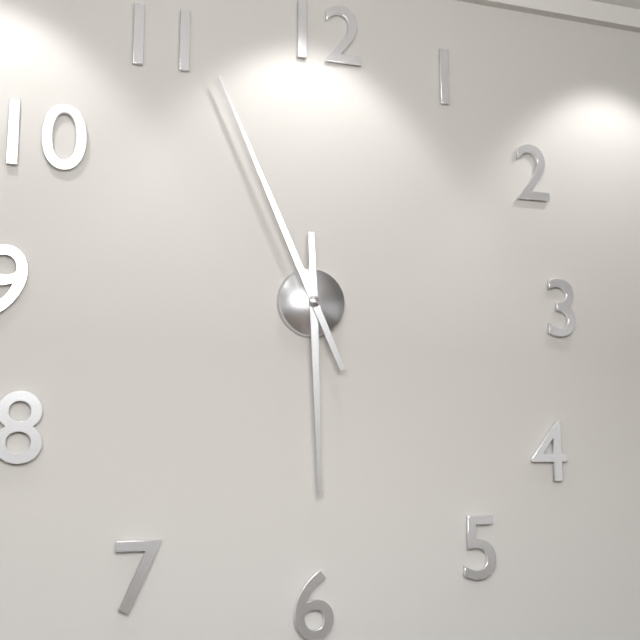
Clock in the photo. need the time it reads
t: 5:56
